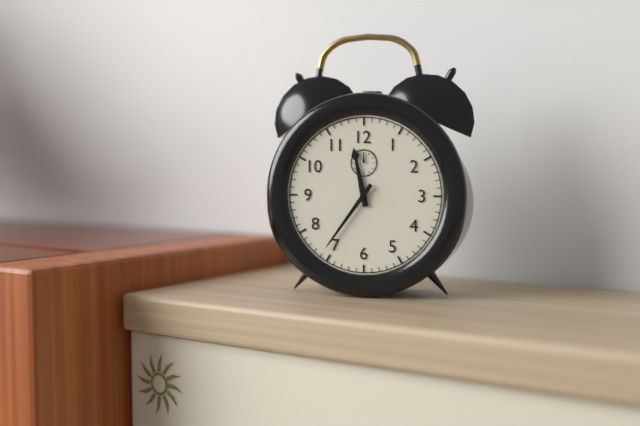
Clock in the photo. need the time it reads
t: 11:36
